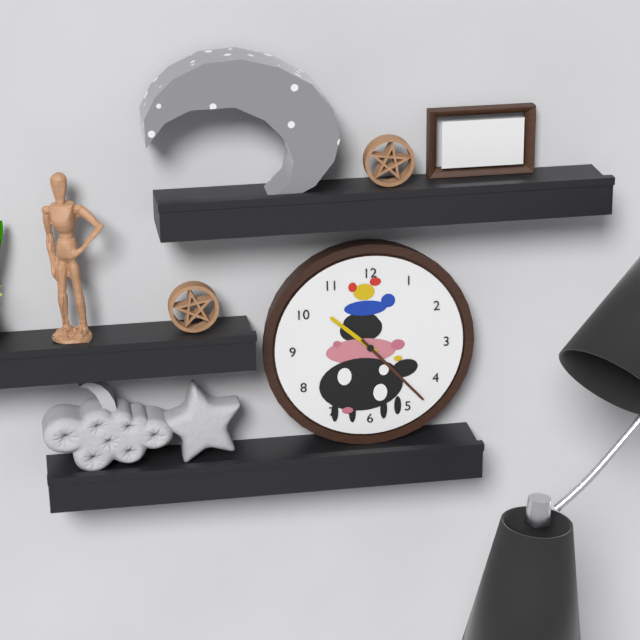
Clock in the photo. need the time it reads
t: 10:23
